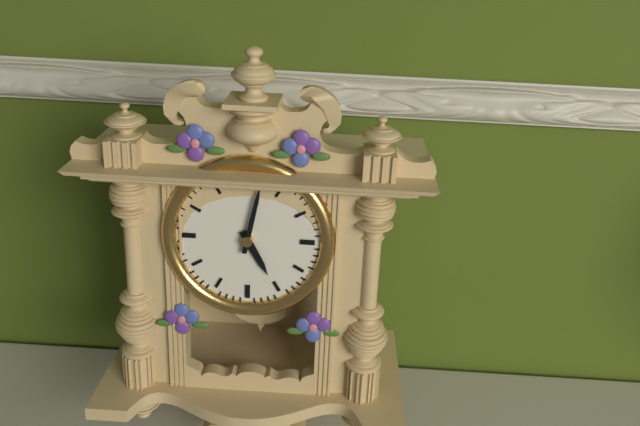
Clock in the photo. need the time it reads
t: 5:02
